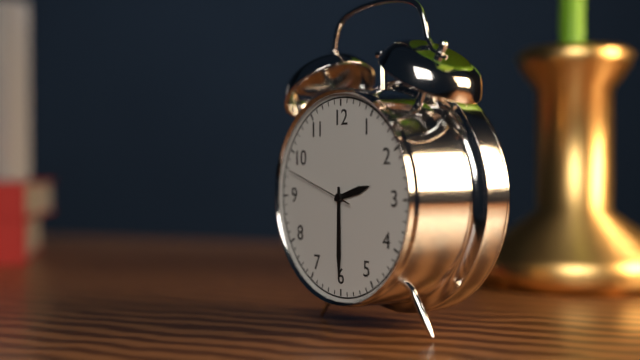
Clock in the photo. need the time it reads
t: 2:30:48
